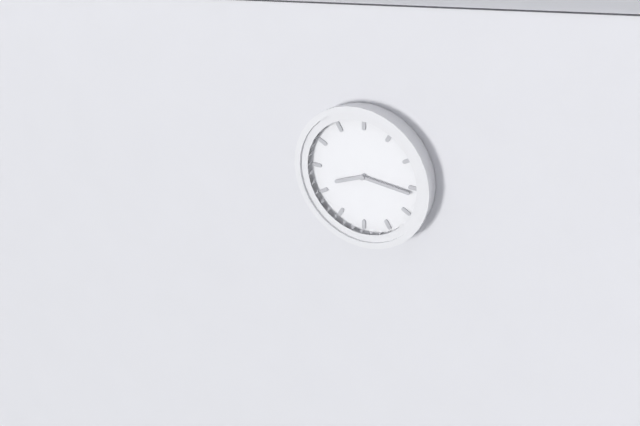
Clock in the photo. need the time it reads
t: 8:16
